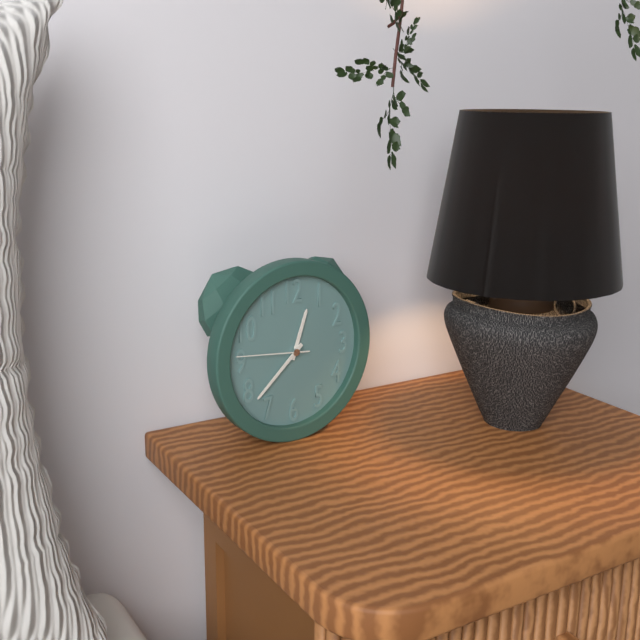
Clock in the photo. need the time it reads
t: 12:38:46
